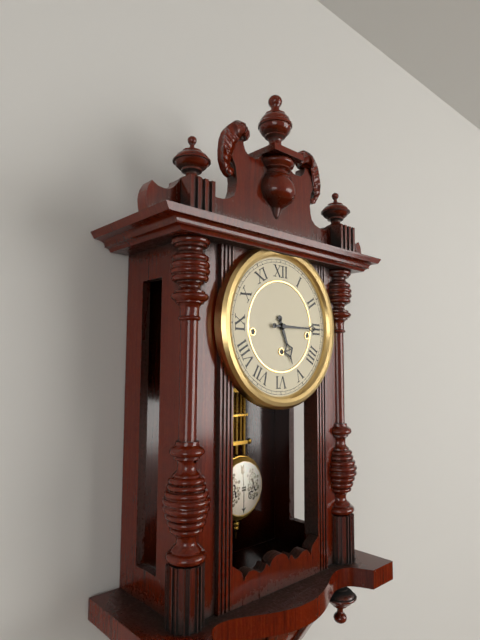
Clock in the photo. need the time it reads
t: 5:15
